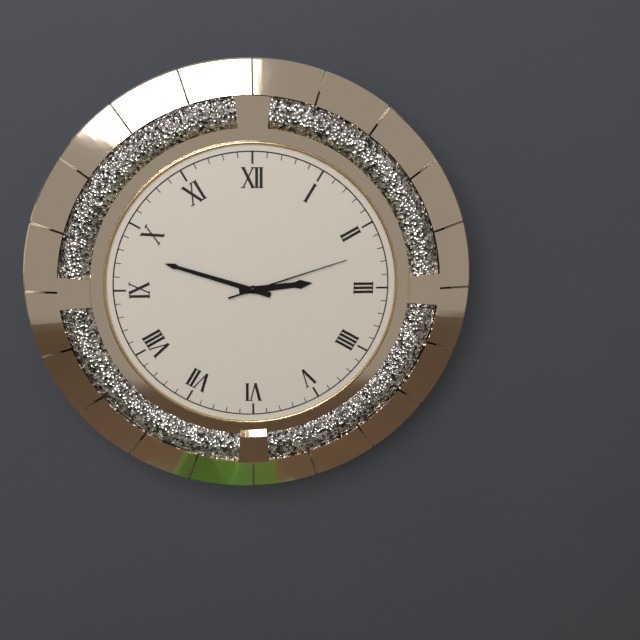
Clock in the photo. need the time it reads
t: 2:48:12
